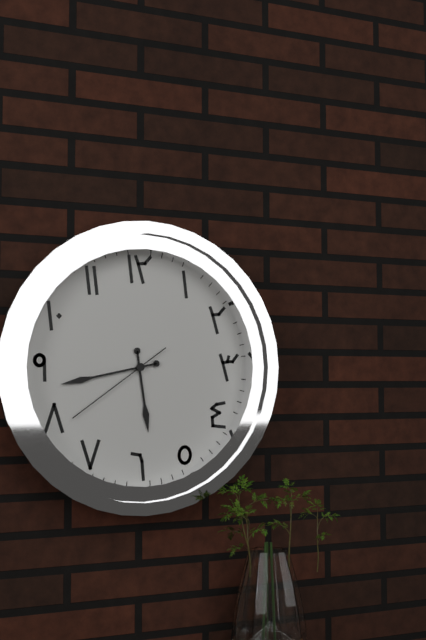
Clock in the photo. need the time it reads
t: 5:43:39
